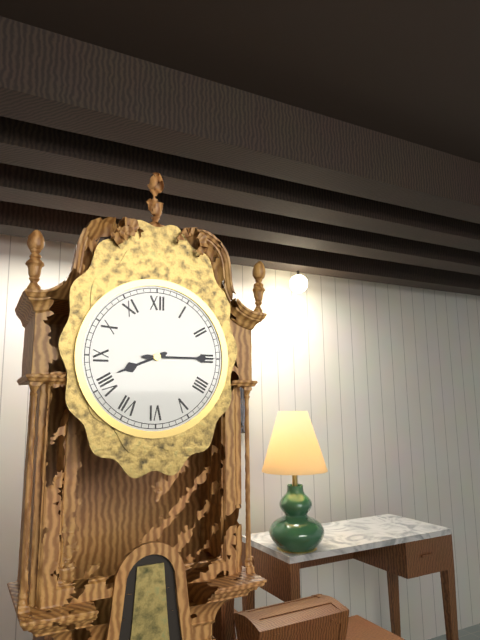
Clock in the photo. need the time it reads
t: 8:15
